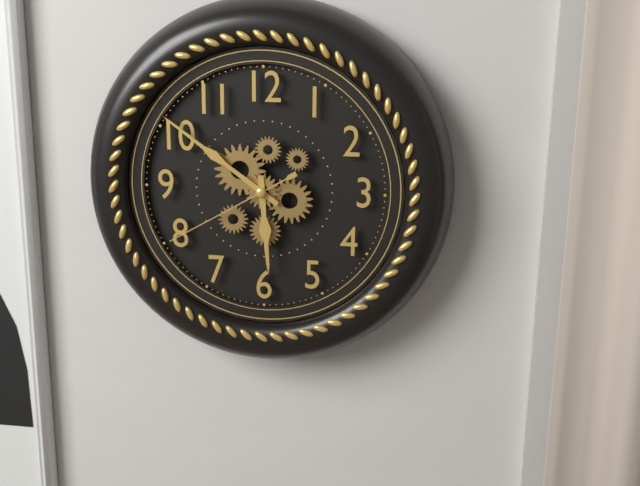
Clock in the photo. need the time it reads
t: 5:51:40
